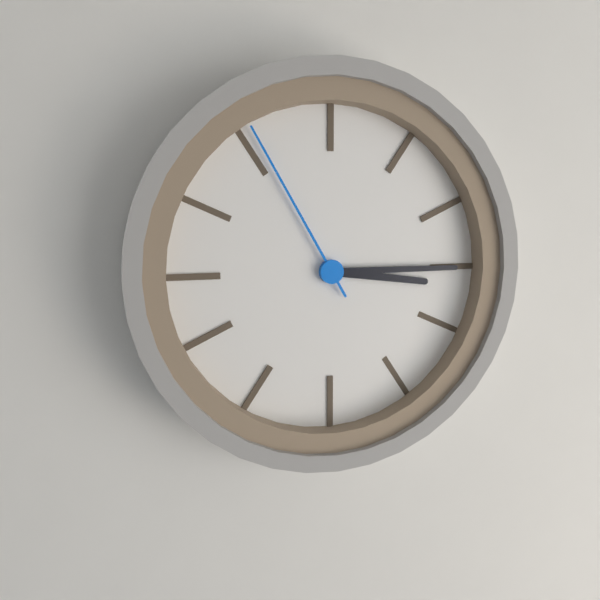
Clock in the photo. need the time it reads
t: 3:15:55
